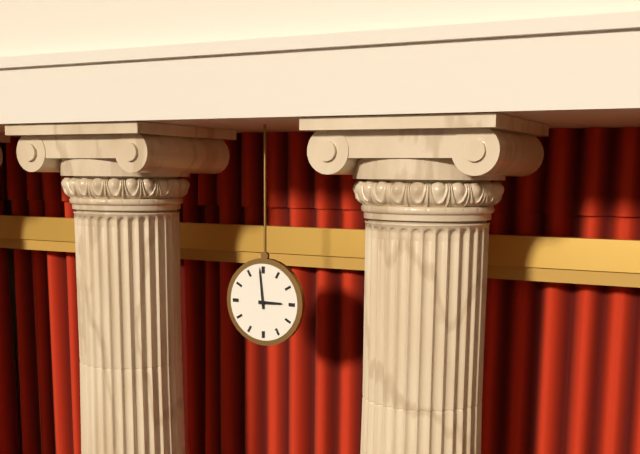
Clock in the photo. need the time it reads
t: 2:59
